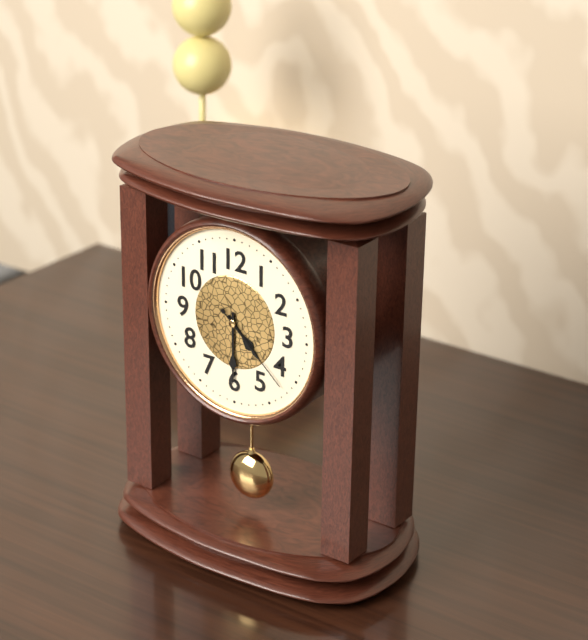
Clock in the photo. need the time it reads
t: 4:30:22
